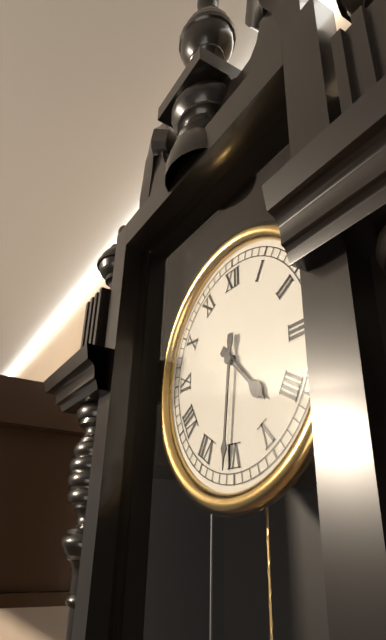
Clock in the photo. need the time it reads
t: 4:31
